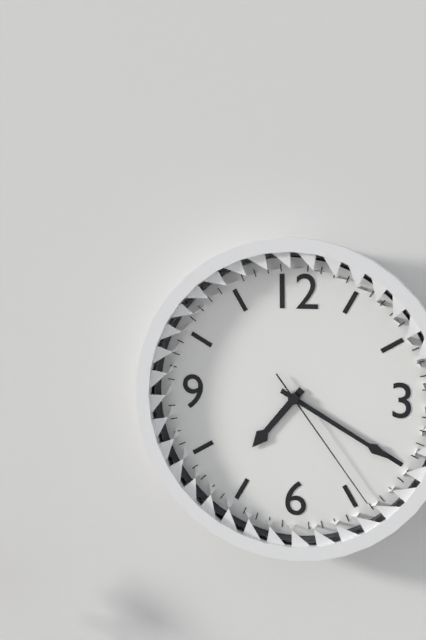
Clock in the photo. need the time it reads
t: 7:20:24
